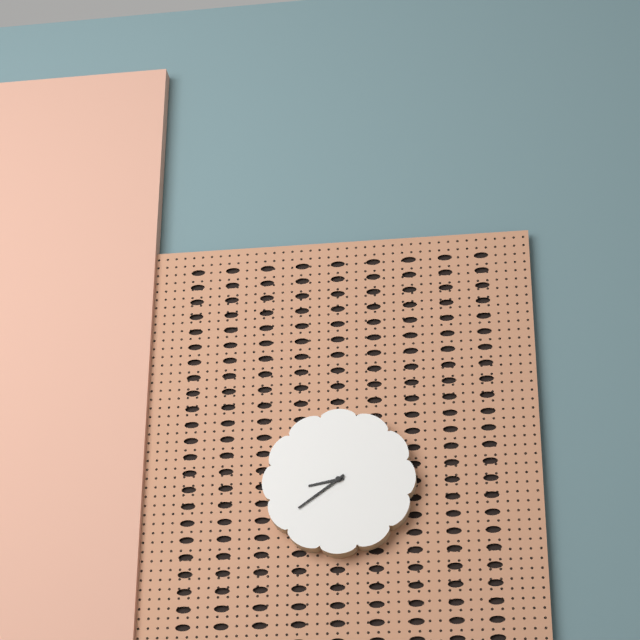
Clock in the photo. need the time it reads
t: 8:39
